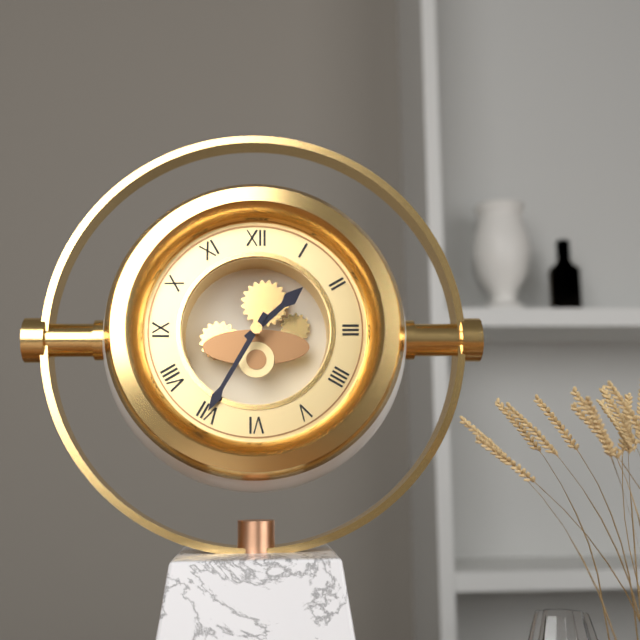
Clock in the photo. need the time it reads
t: 1:35
